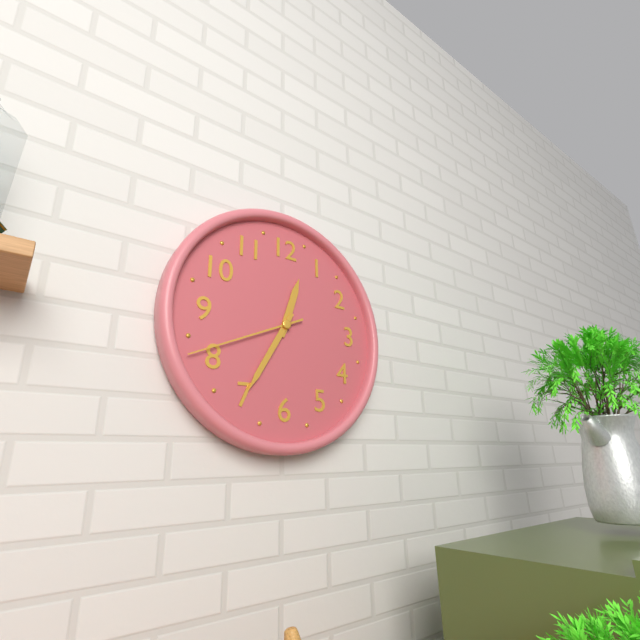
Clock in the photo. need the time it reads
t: 12:35:41
